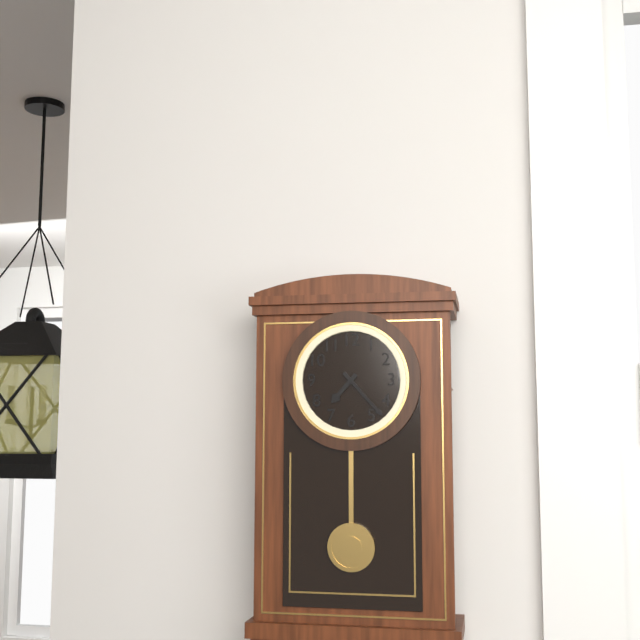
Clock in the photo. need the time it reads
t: 7:23
